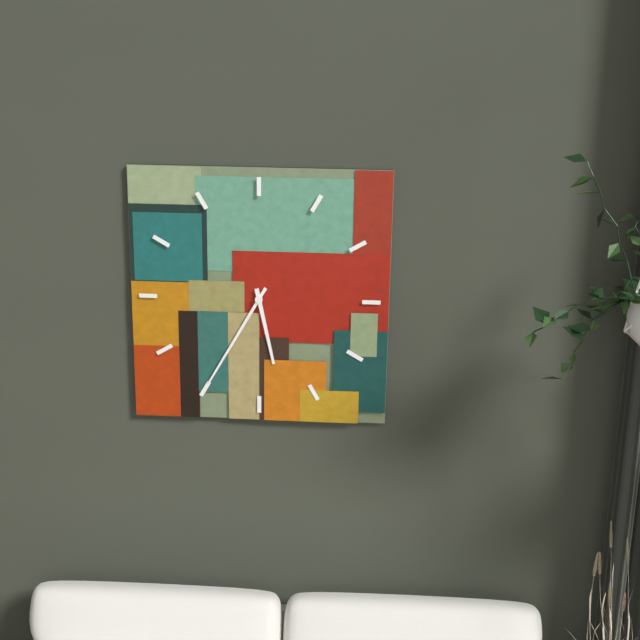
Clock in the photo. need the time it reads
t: 5:35
